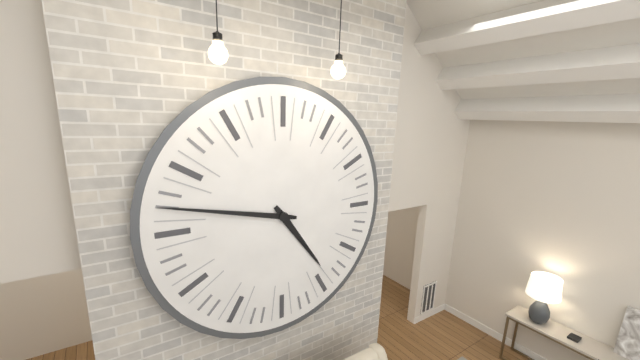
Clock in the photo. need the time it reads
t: 4:47
